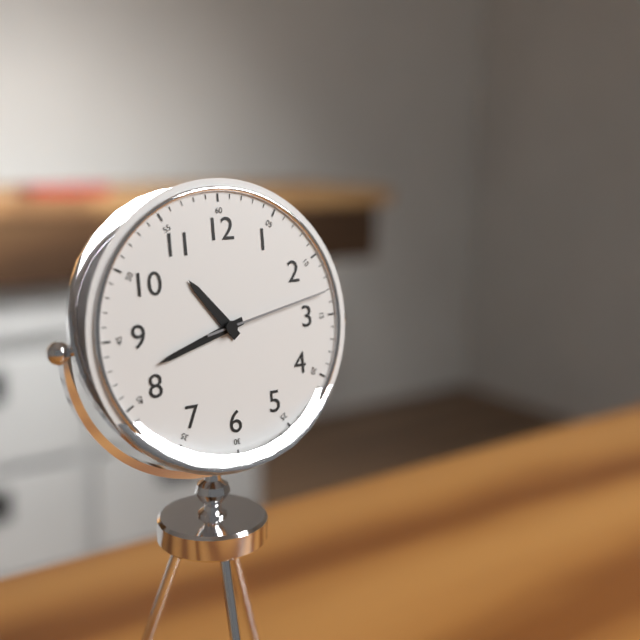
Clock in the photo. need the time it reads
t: 10:42:13
